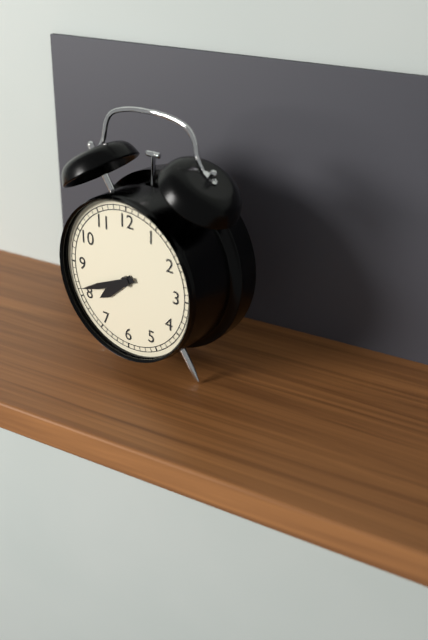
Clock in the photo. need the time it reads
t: 7:41
